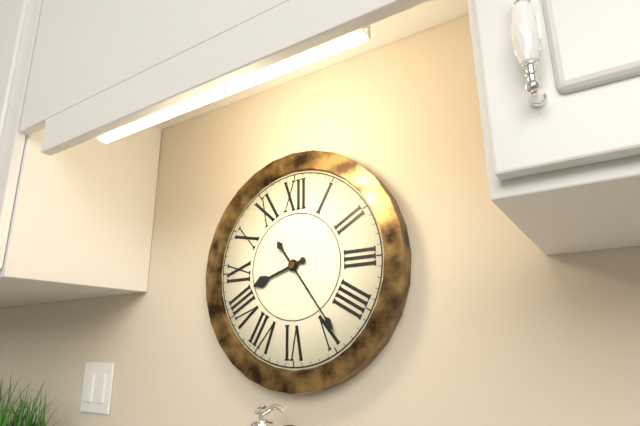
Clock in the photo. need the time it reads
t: 8:24
